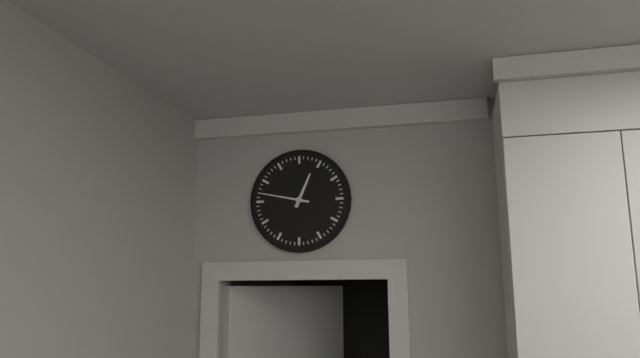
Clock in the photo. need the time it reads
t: 12:47
